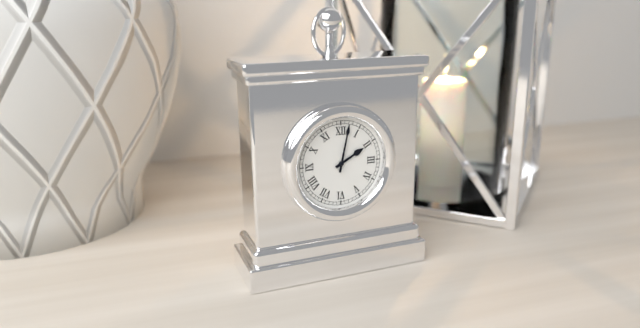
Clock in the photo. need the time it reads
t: 2:02
